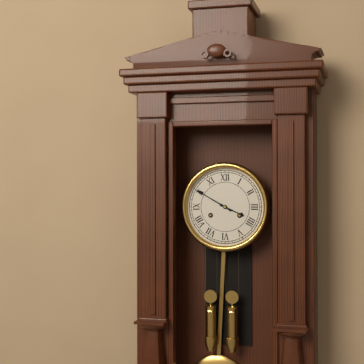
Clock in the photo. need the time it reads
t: 3:50
